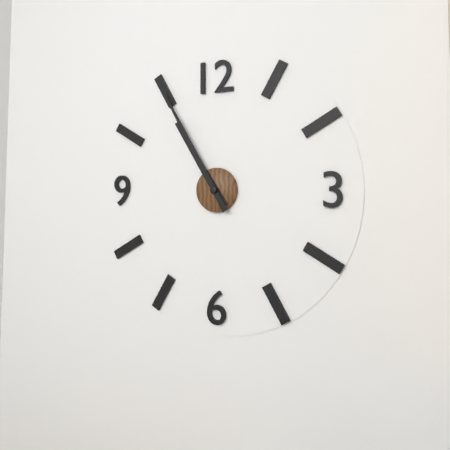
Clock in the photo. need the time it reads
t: 10:55
